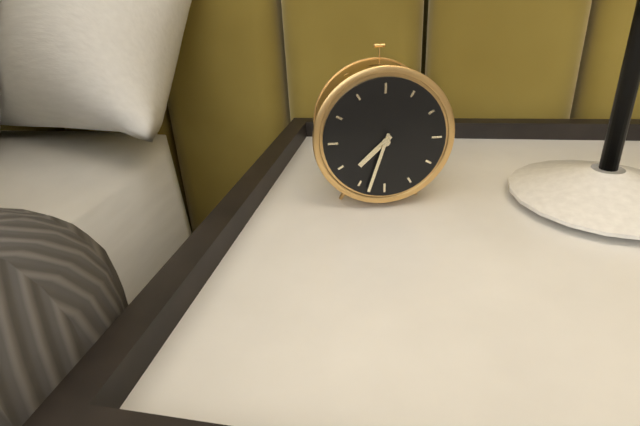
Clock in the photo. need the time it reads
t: 7:33
